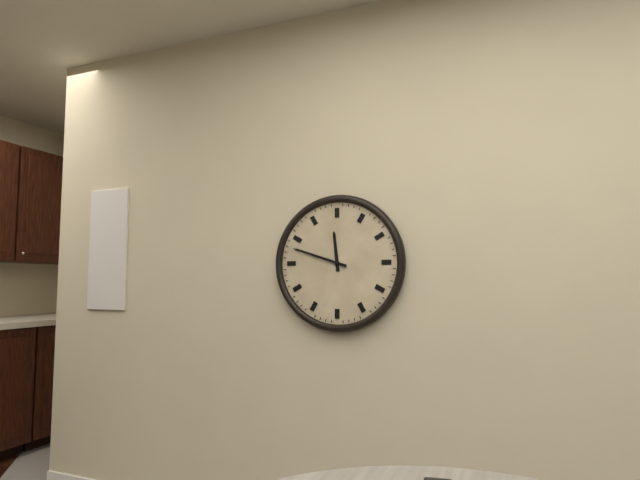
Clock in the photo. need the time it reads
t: 11:48
